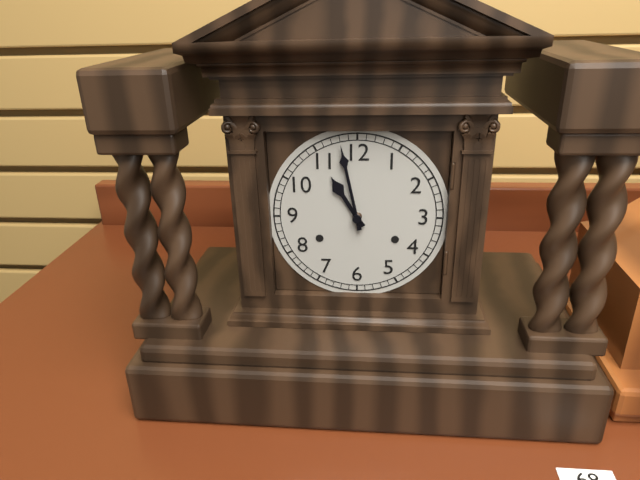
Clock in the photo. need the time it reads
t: 10:58
